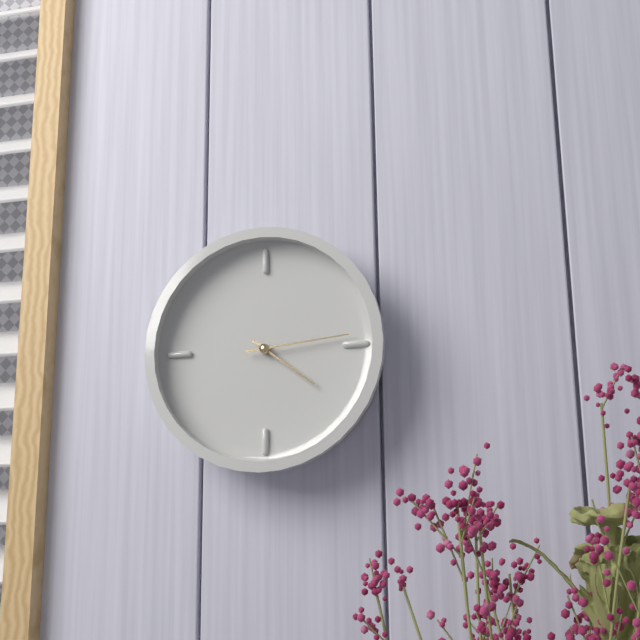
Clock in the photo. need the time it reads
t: 4:14
